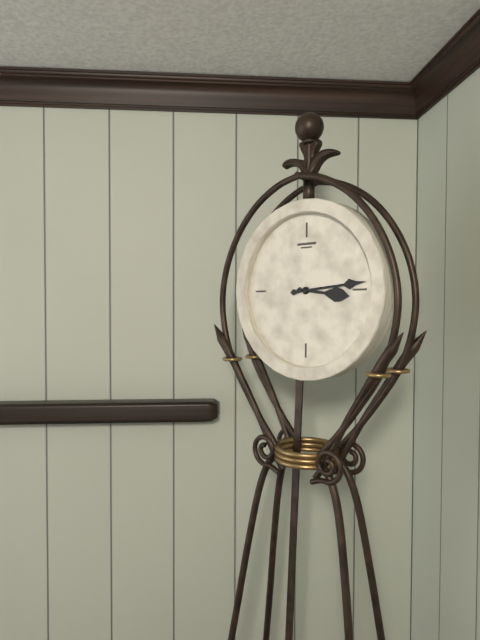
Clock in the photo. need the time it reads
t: 3:14
